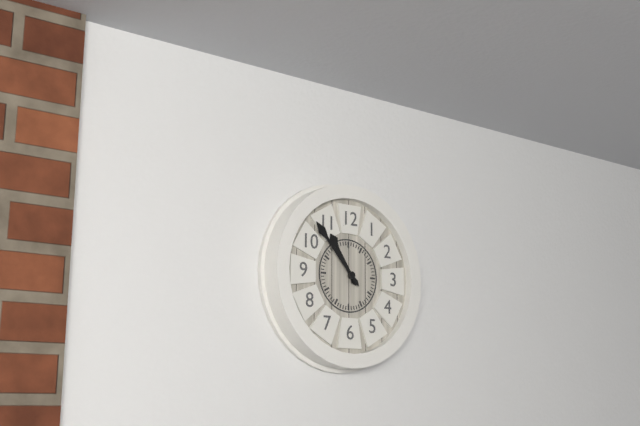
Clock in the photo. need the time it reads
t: 10:53
